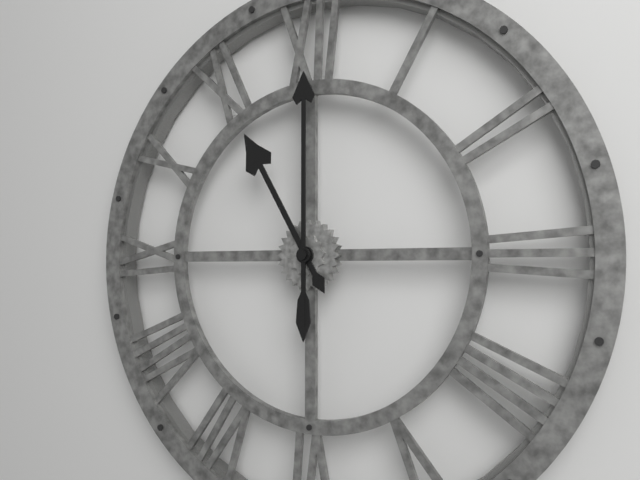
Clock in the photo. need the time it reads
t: 11:00
